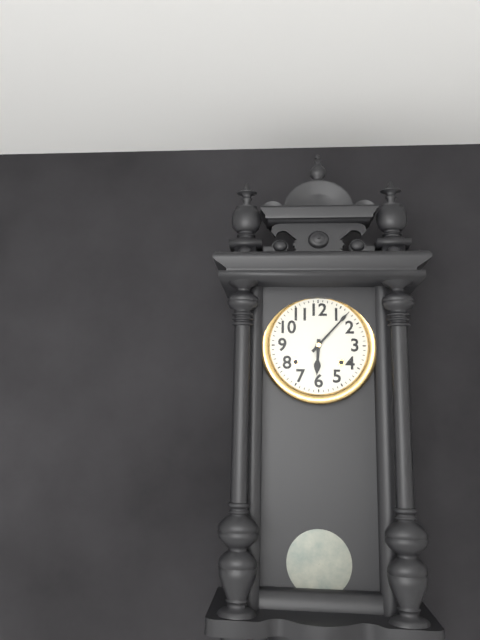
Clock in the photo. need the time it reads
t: 6:07
